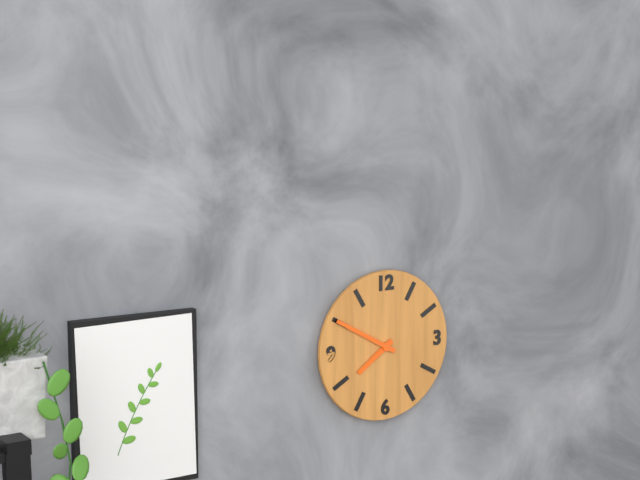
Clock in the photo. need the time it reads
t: 7:50
